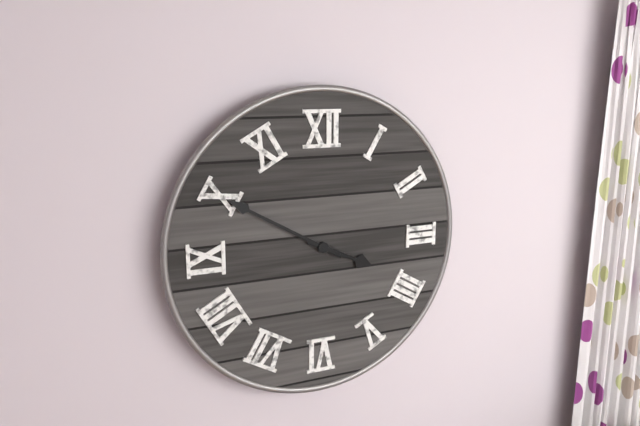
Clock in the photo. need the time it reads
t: 3:50
